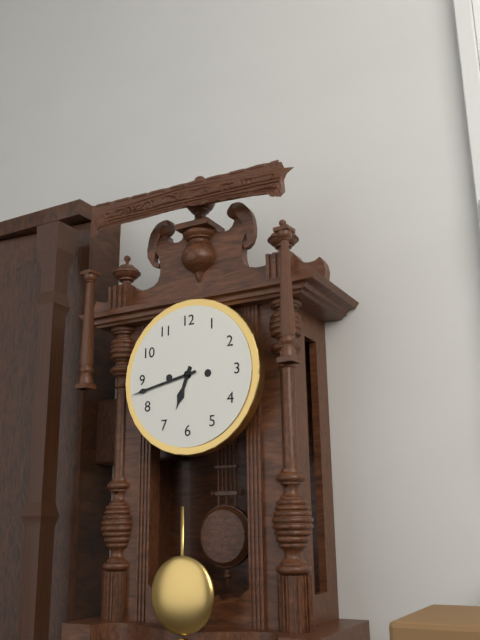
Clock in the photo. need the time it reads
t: 6:43
